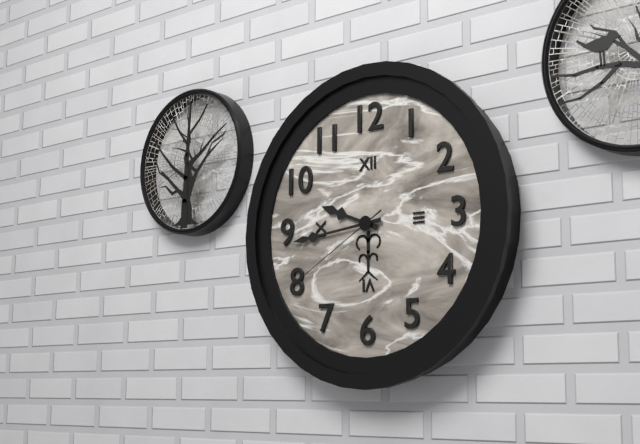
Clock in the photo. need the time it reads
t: 9:44:40
